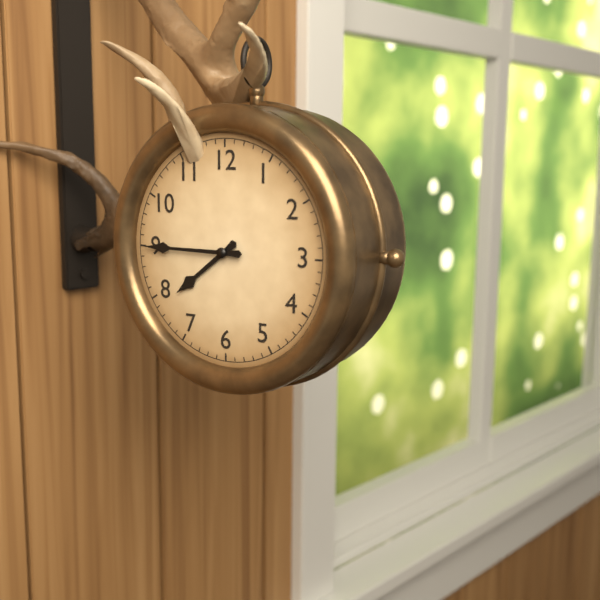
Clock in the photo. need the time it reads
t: 7:45
